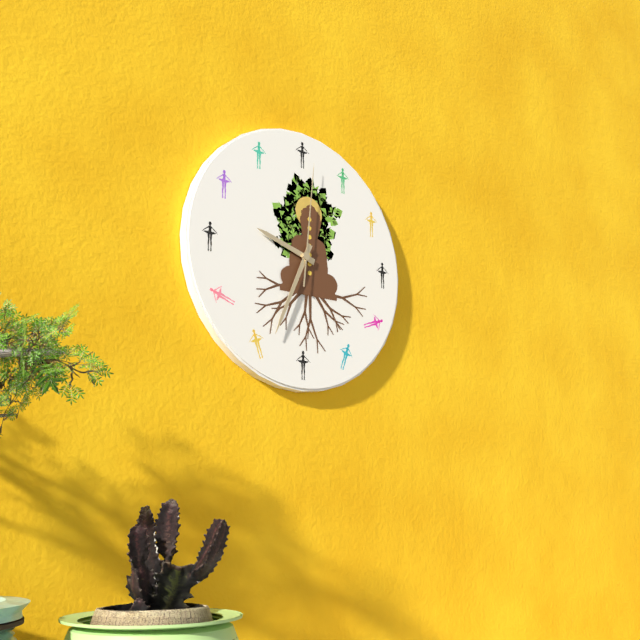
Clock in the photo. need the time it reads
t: 9:34:01
